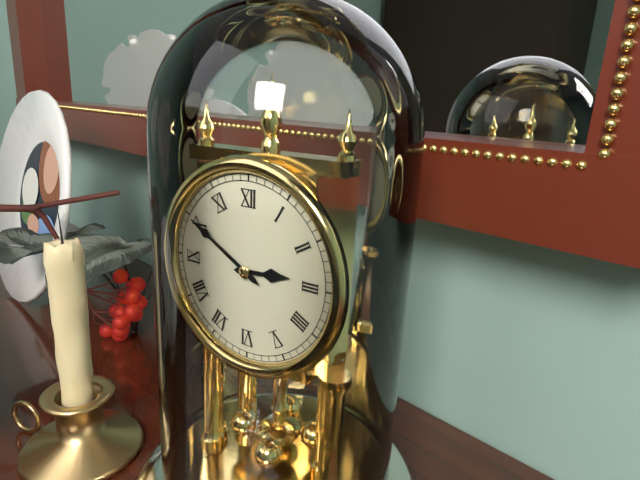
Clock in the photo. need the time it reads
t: 2:50
